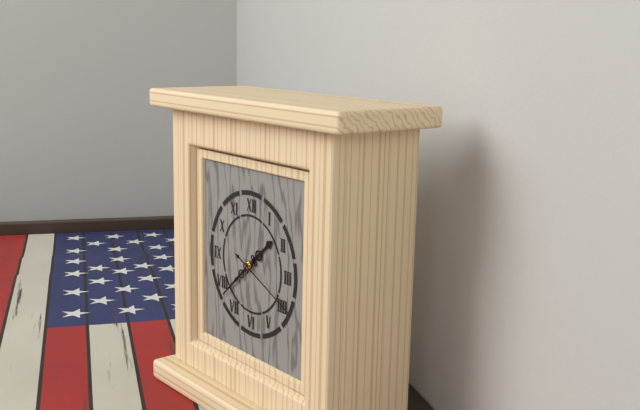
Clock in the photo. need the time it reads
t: 1:38:19
